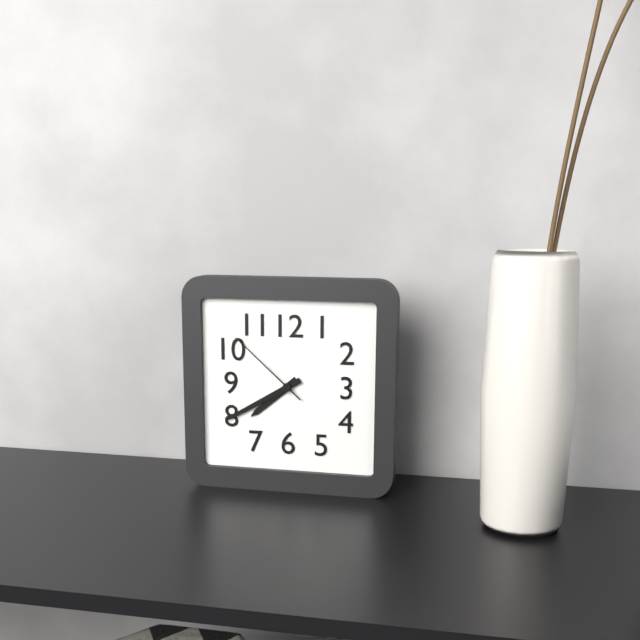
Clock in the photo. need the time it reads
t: 7:40:52
